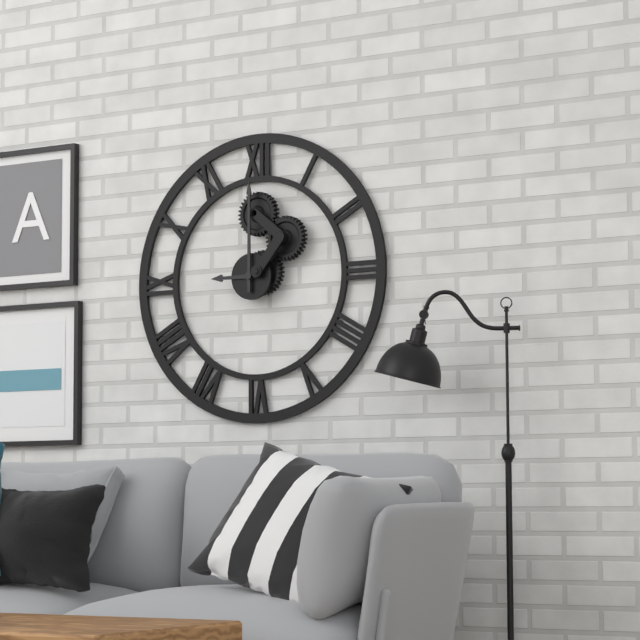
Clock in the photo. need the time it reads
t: 9:00
